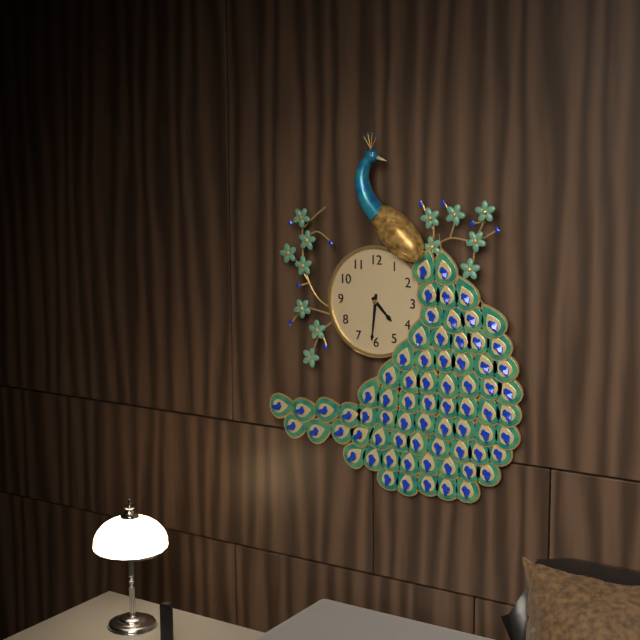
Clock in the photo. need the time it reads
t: 4:31
